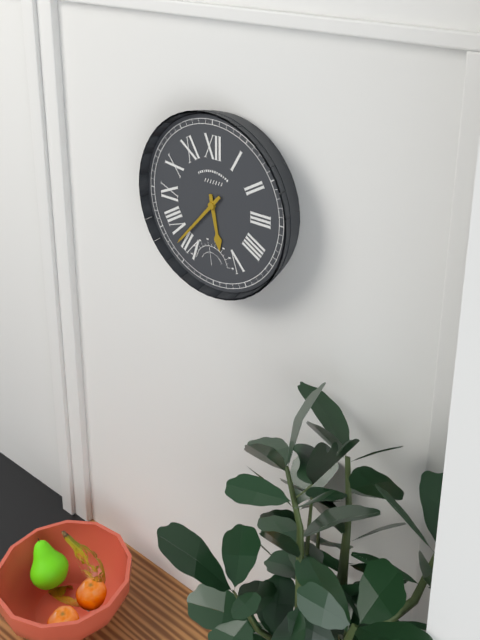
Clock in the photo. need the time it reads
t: 5:37
